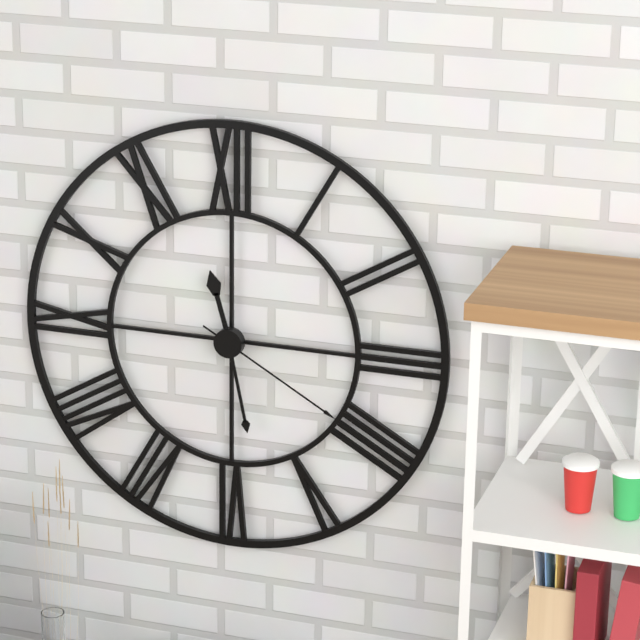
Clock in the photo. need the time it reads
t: 11:28:20
